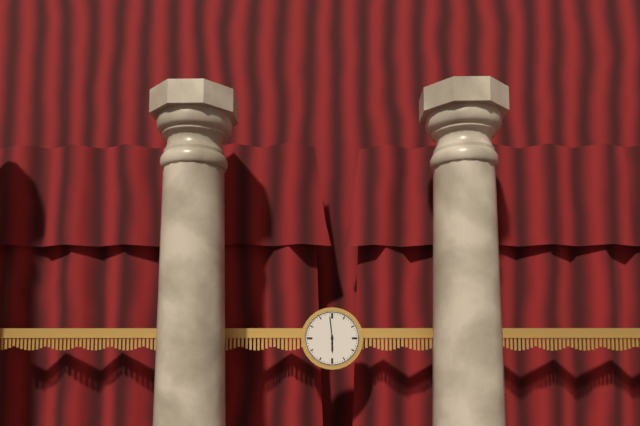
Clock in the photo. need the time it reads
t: 5:59
